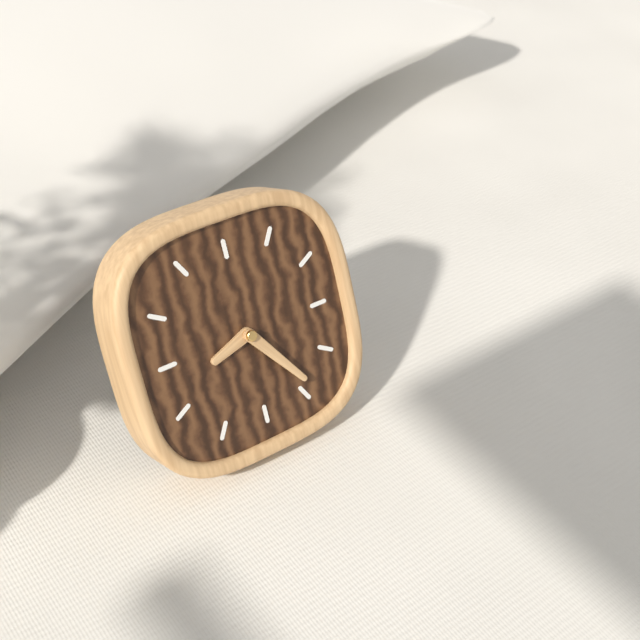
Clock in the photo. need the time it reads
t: 8:24
